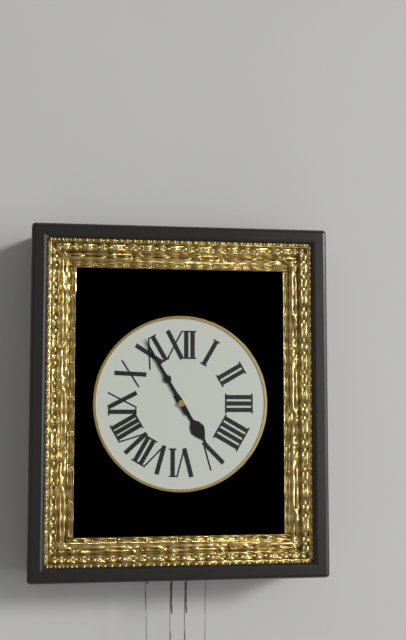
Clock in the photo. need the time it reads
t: 4:55
